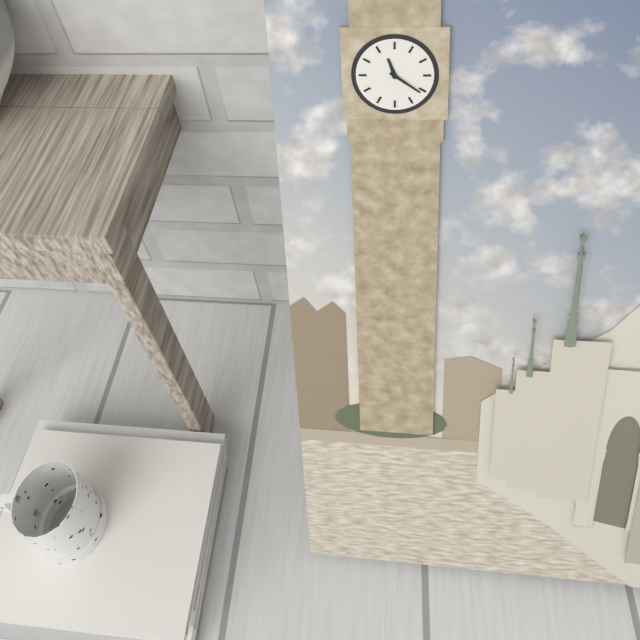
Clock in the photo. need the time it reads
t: 11:21
